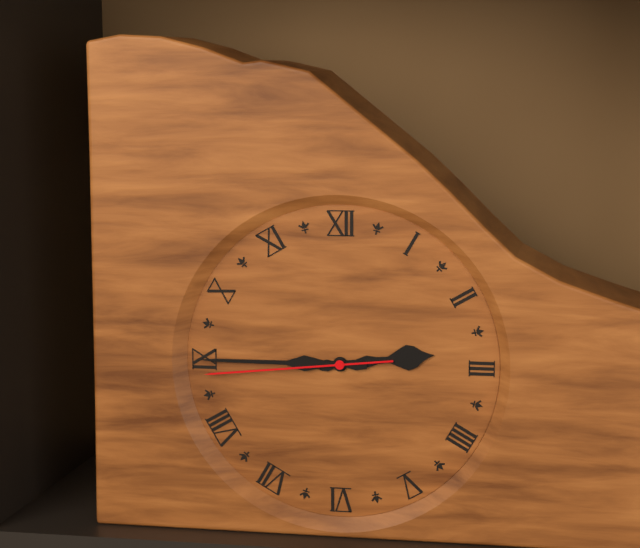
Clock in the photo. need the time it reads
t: 2:45:44
